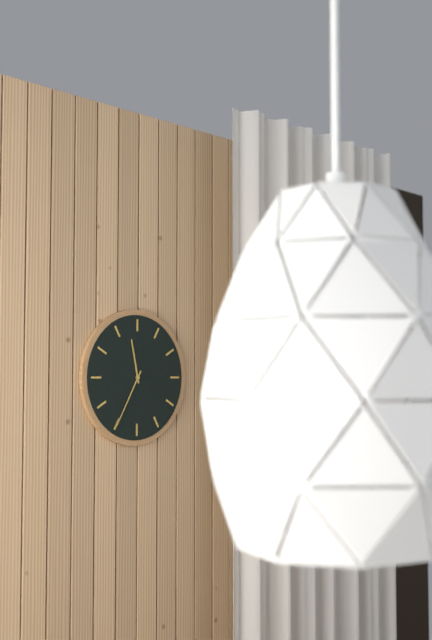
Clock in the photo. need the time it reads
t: 11:35
